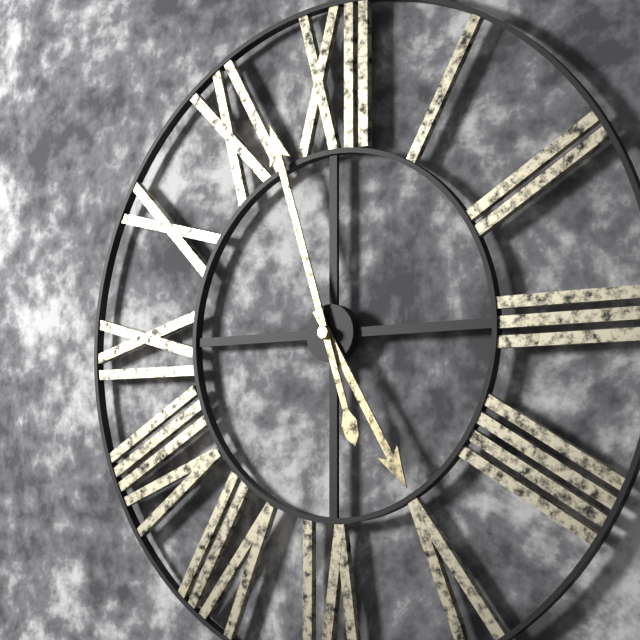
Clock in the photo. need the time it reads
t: 4:57
